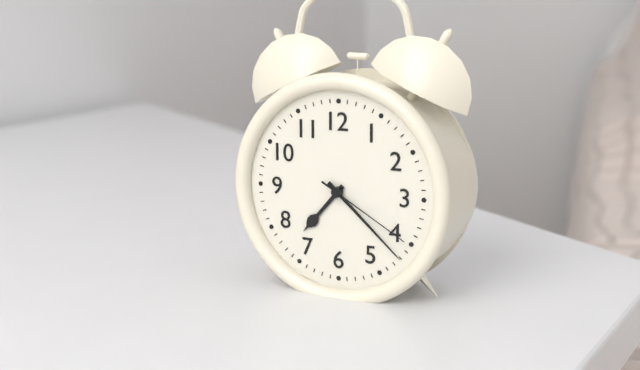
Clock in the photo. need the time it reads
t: 7:22:20
